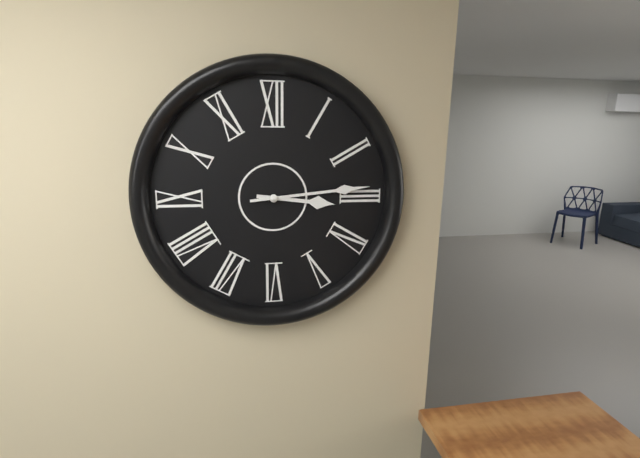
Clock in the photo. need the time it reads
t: 3:14
